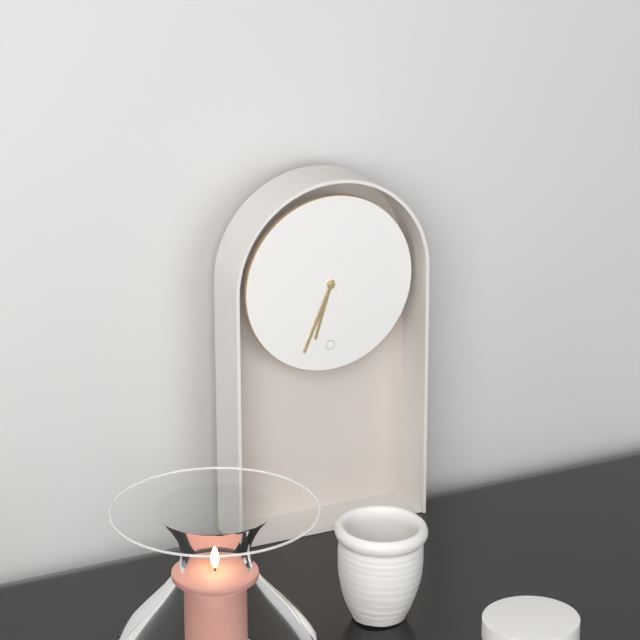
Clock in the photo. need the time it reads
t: 6:34
